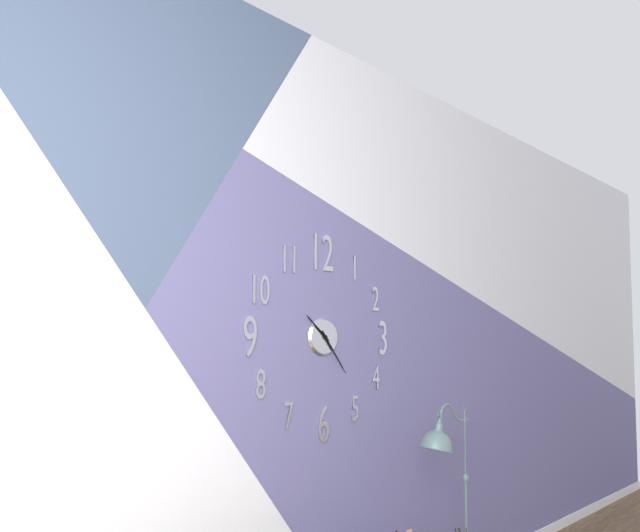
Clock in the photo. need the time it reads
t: 10:24
